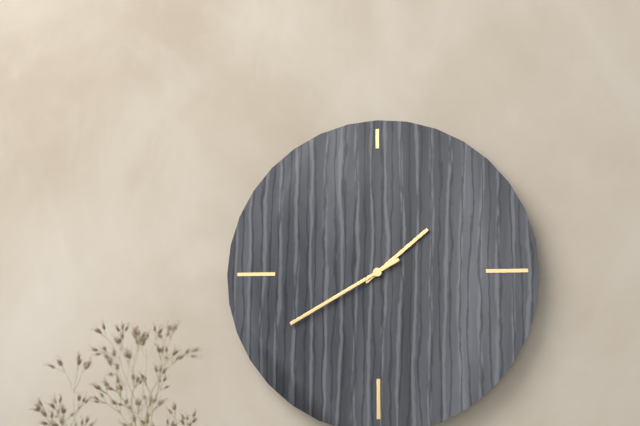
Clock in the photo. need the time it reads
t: 1:40
